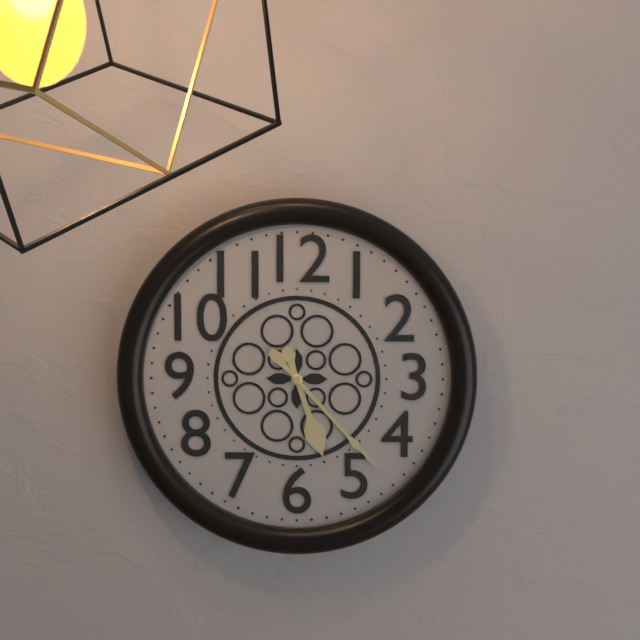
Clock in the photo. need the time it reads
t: 5:23
